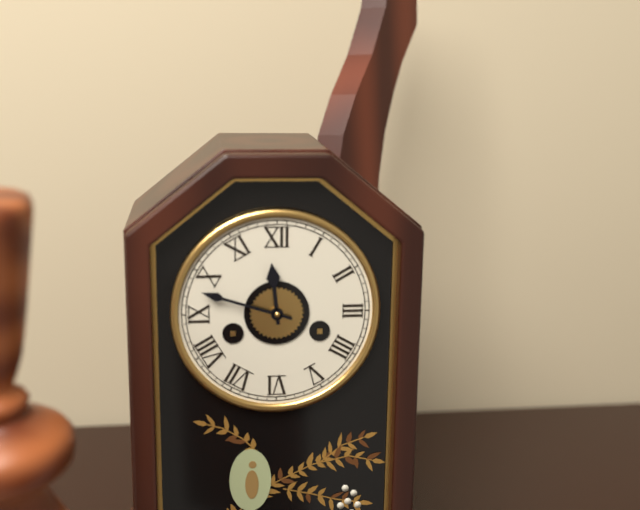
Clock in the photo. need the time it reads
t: 11:48
